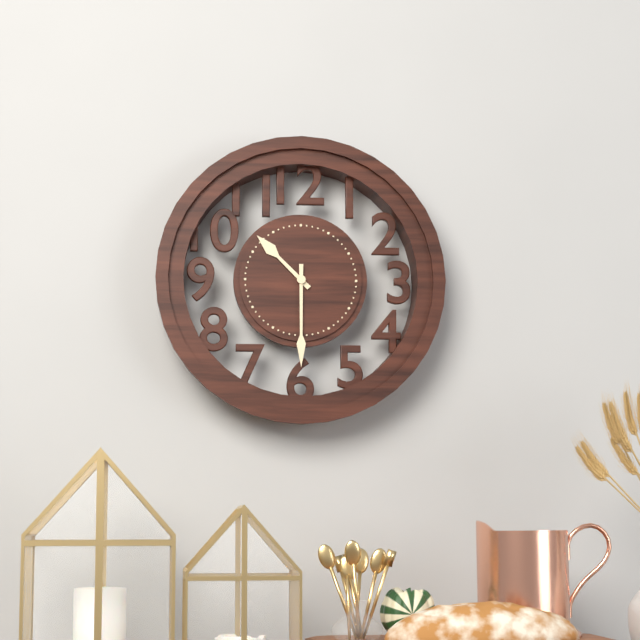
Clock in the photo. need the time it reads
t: 10:30
